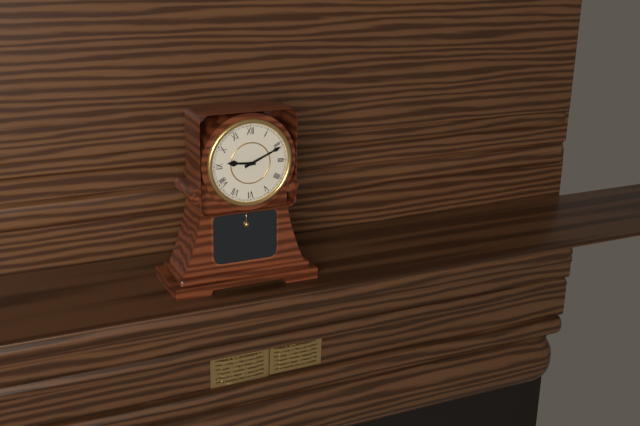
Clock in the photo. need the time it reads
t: 9:11
